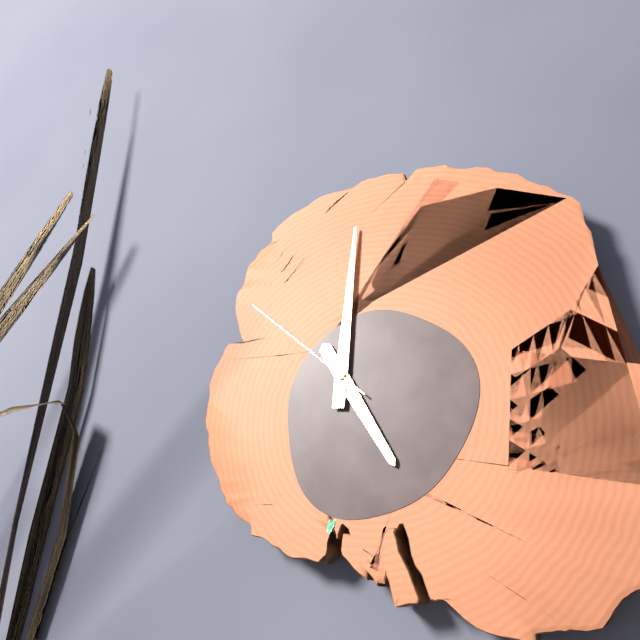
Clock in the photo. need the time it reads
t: 5:01:52
